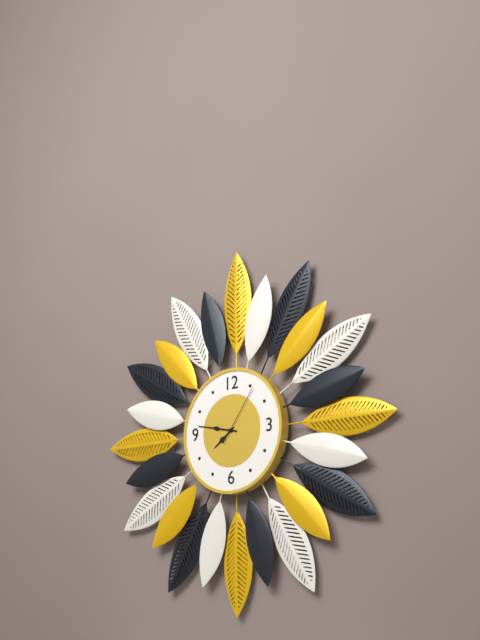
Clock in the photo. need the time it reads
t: 7:47:06
